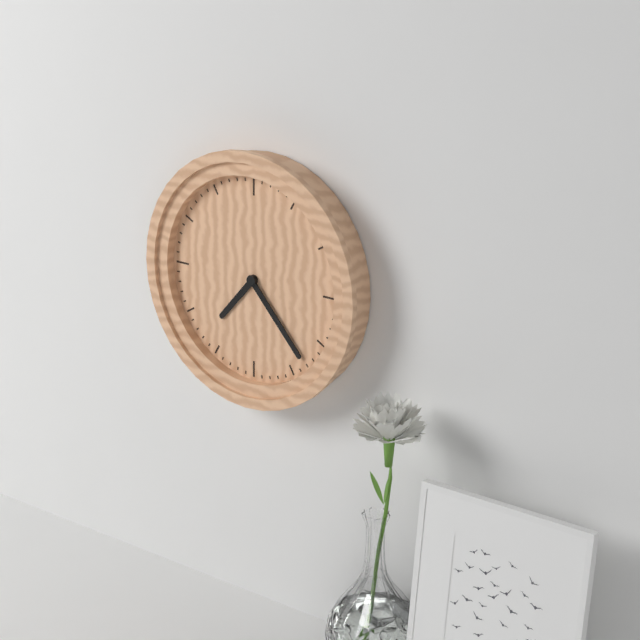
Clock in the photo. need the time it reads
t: 7:23
